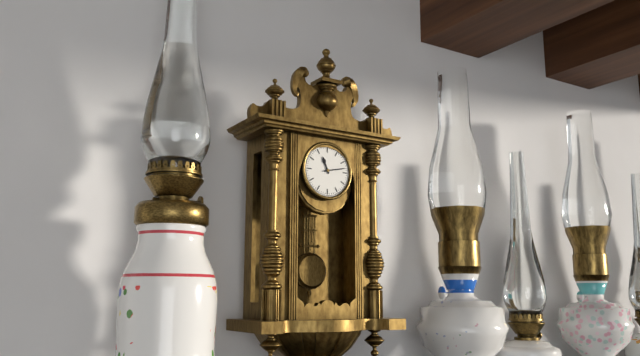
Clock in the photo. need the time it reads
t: 11:13
